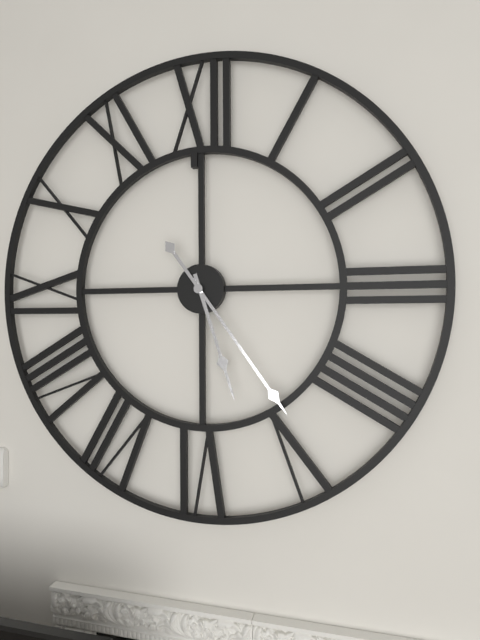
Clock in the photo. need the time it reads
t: 5:24
